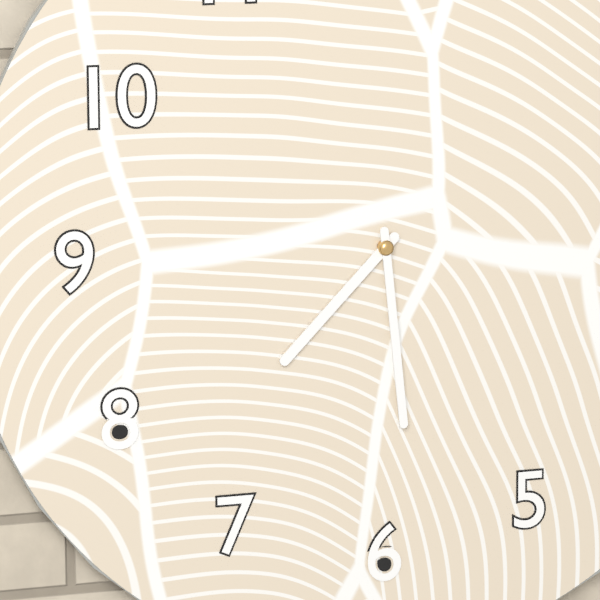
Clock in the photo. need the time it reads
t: 7:29
